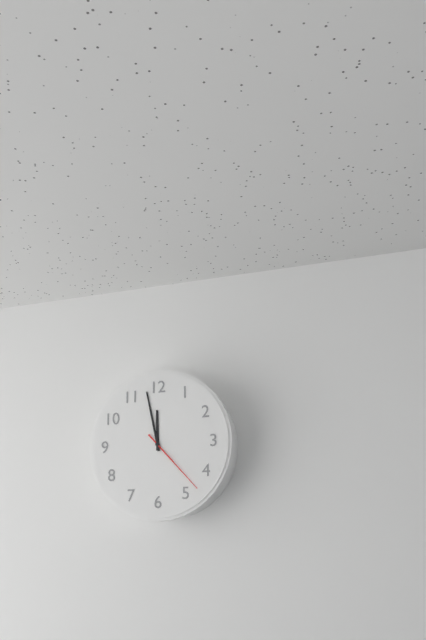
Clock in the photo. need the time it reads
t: 11:58:23
